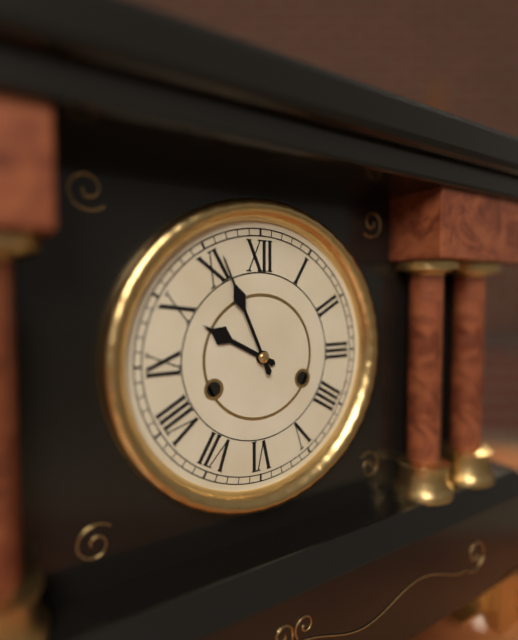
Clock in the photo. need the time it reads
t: 9:56
